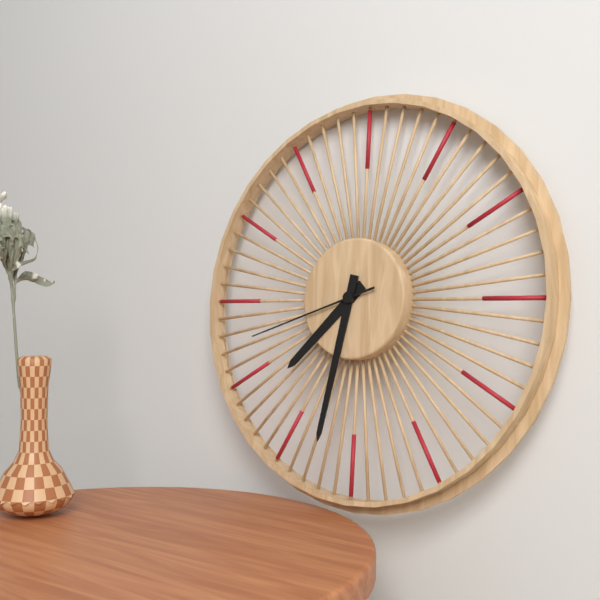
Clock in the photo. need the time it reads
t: 7:32:42
